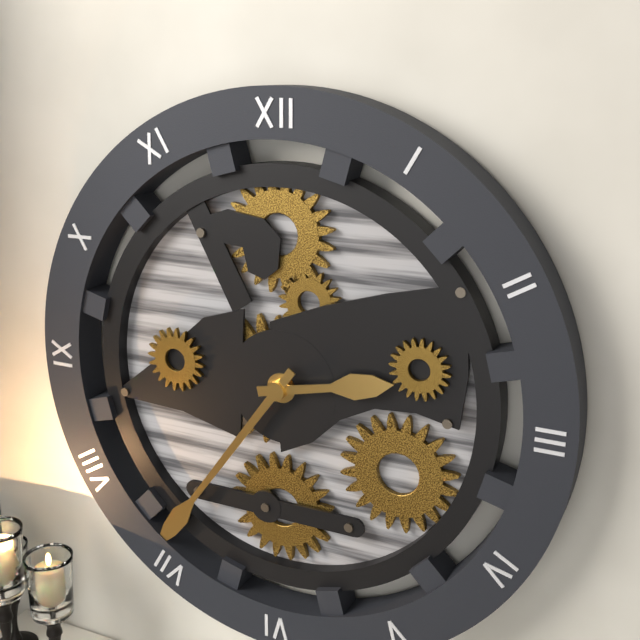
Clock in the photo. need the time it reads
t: 2:36
